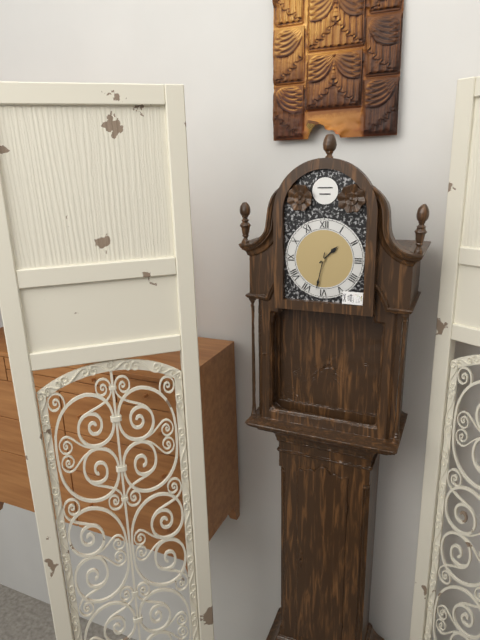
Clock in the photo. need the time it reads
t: 1:32
